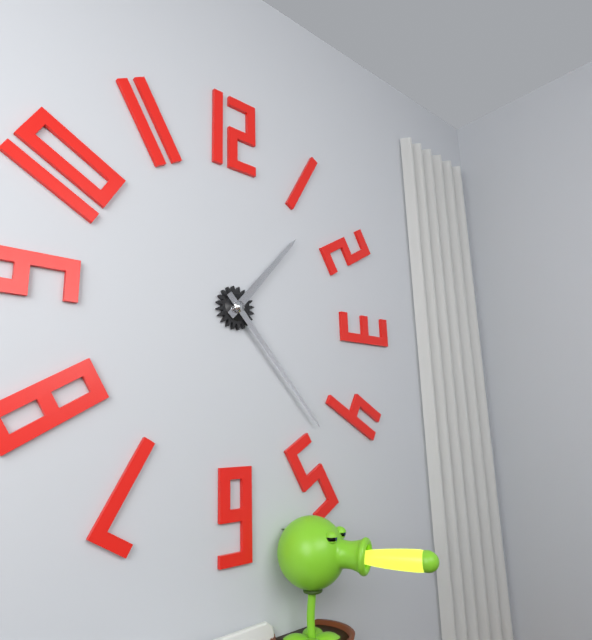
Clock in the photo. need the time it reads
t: 1:23
